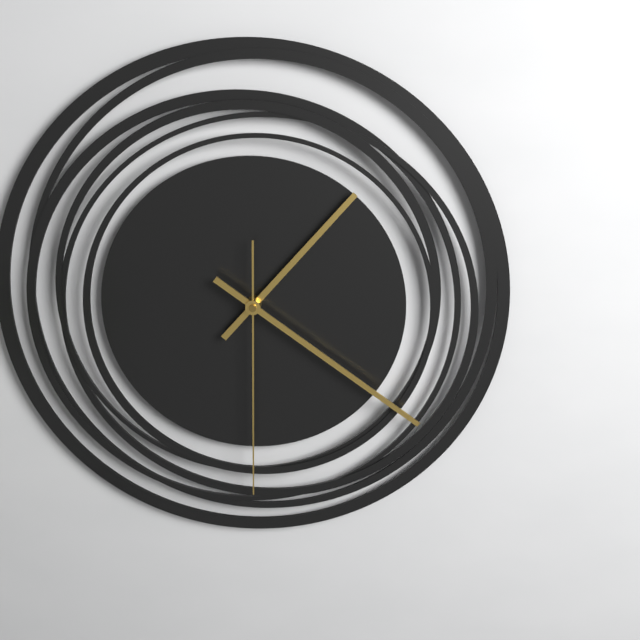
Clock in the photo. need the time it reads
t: 1:21:30
